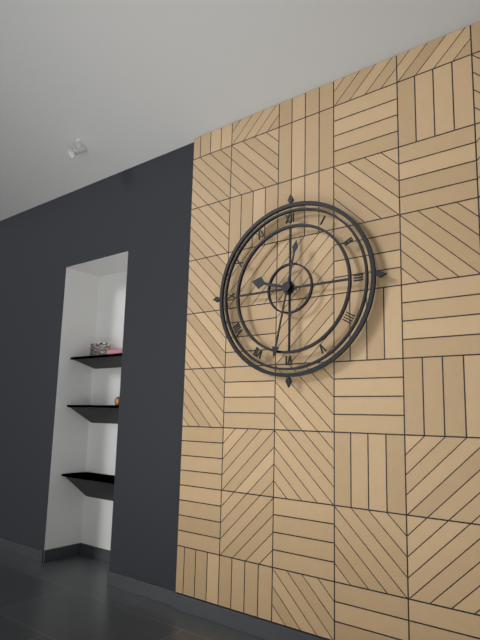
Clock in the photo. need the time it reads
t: 9:32
